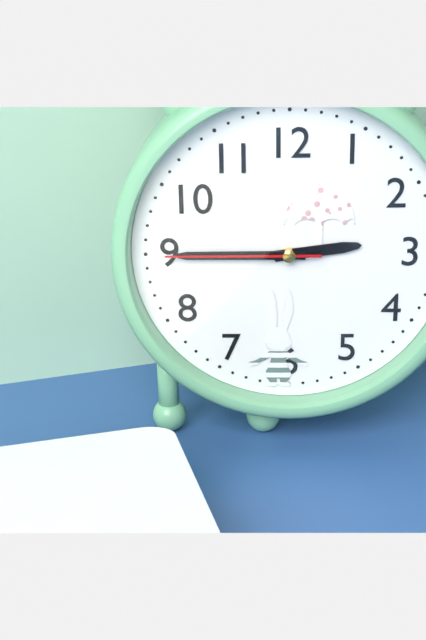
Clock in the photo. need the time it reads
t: 2:45:45
